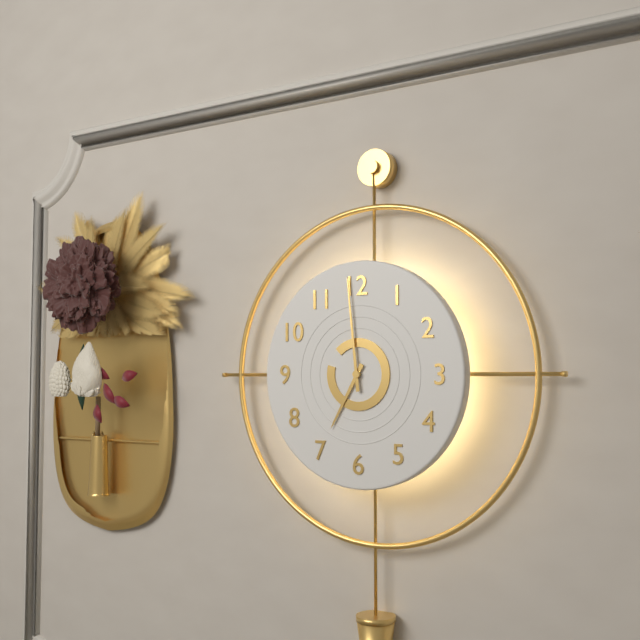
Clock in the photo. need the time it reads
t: 6:59
